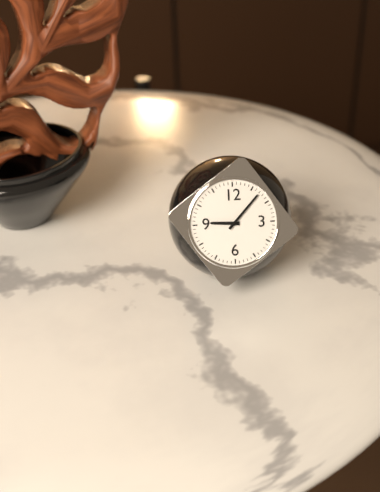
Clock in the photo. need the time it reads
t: 9:07
